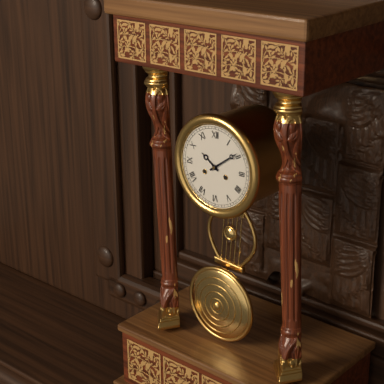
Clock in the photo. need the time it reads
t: 10:09
